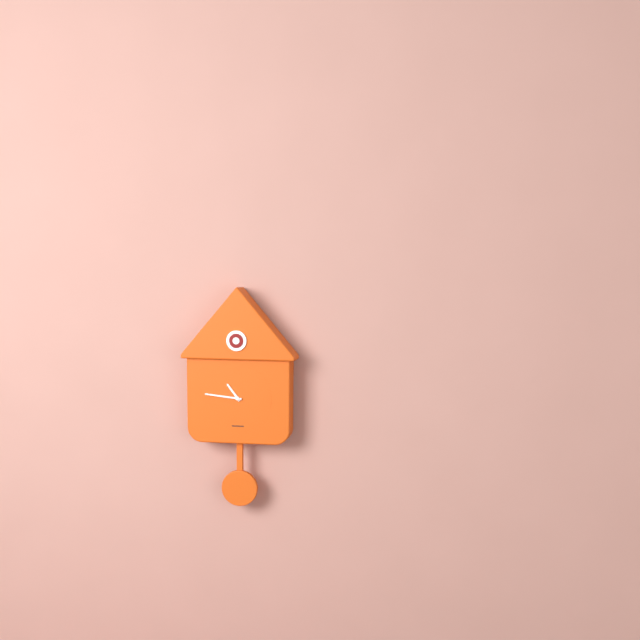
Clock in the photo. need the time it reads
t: 10:46
